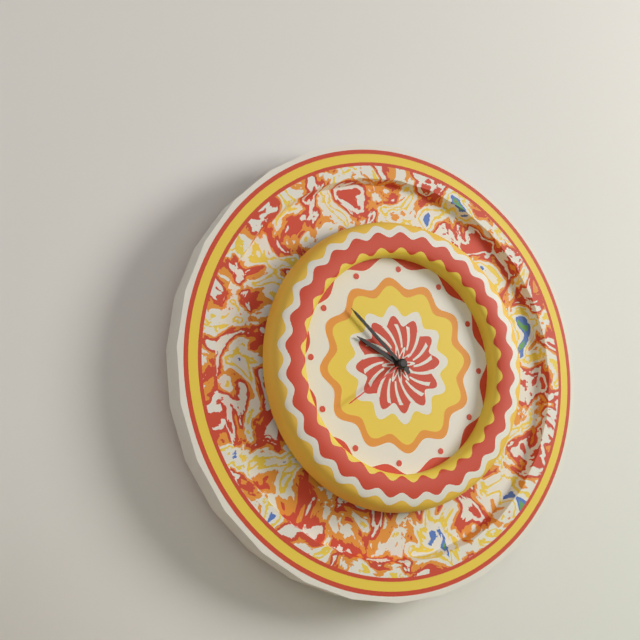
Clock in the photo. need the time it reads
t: 9:52:39
